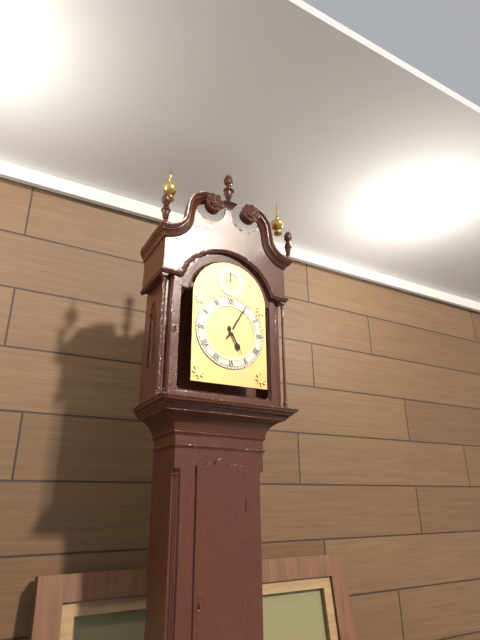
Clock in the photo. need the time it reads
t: 5:05
